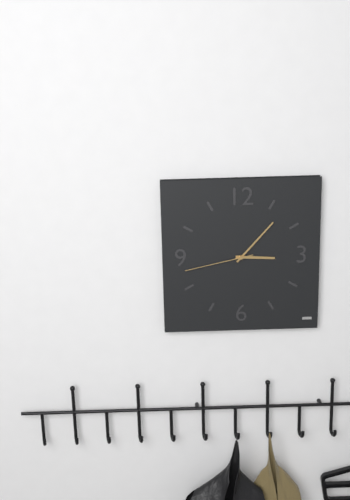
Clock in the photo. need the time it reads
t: 3:07:43
